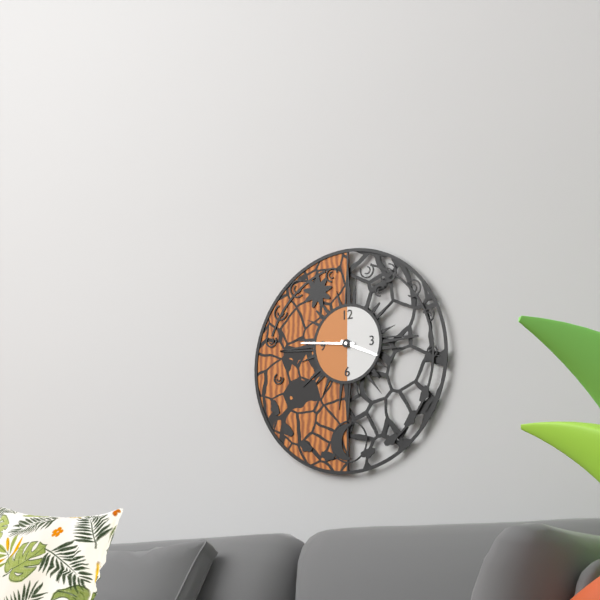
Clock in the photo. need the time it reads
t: 3:46
